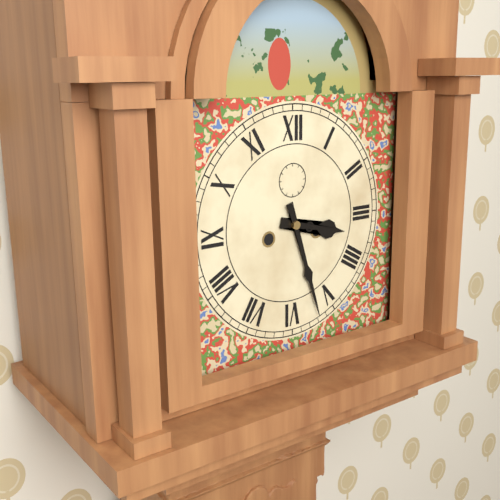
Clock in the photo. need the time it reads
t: 3:27
